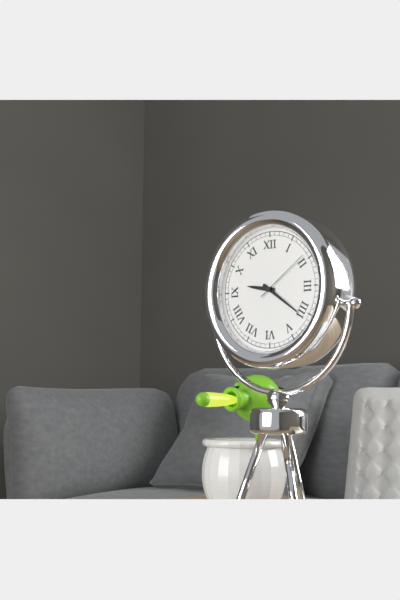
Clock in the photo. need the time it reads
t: 9:21:09
